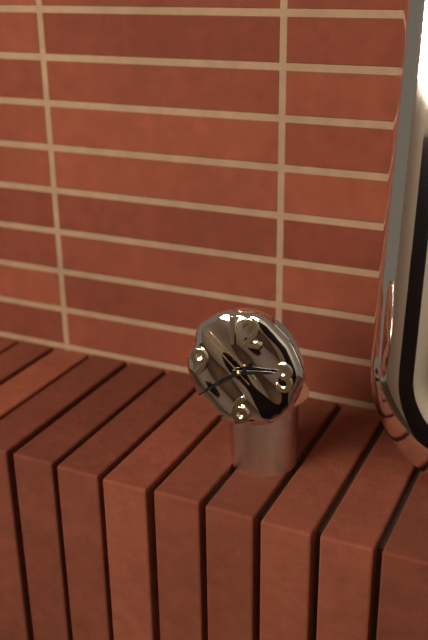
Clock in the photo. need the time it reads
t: 2:39:52
